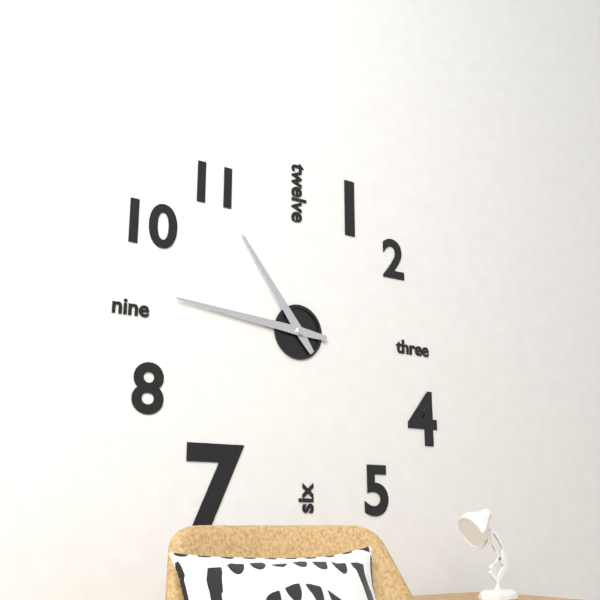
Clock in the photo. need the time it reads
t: 10:46
